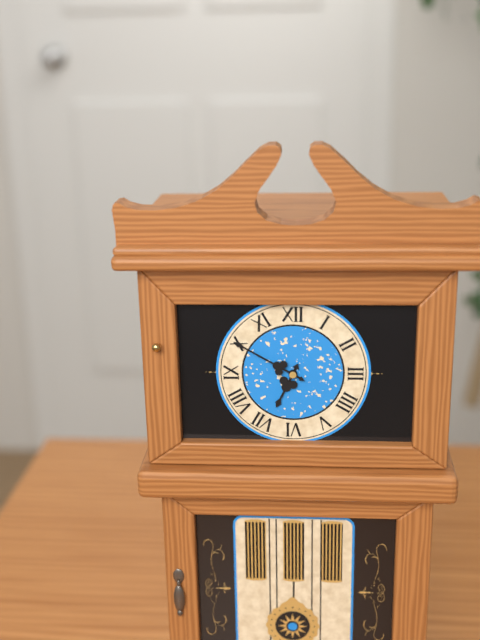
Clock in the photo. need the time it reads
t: 6:50
